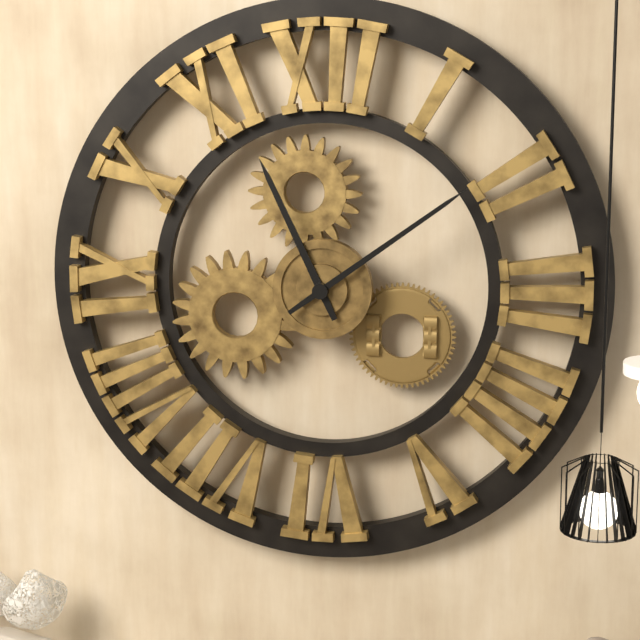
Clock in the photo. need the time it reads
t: 11:09
